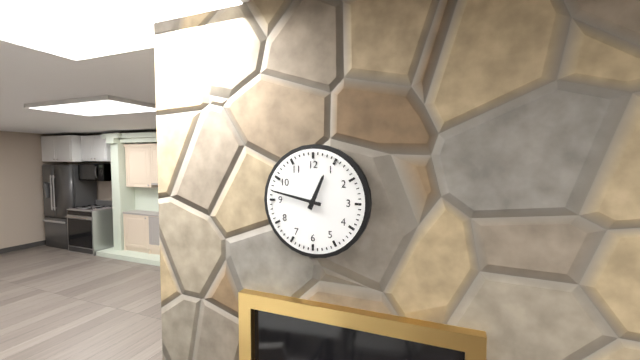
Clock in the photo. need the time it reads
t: 12:47
